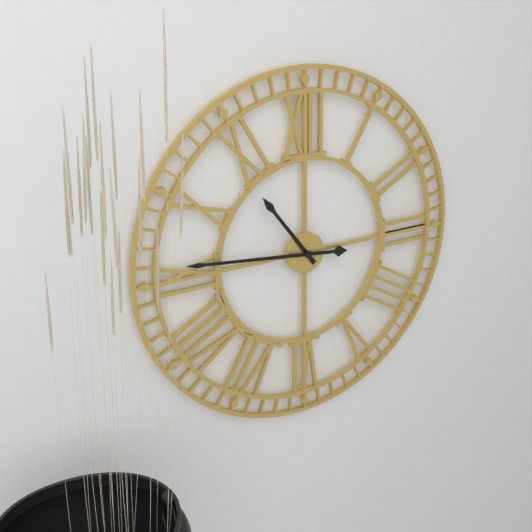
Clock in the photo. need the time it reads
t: 10:46
